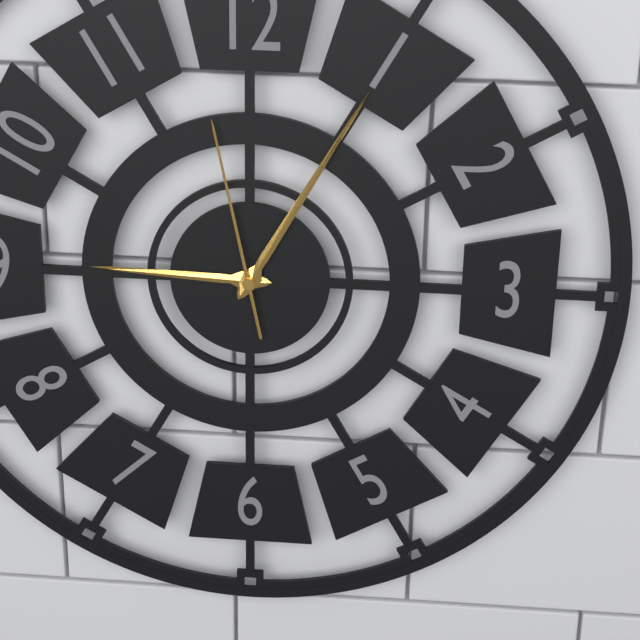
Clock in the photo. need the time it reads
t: 9:05:58
